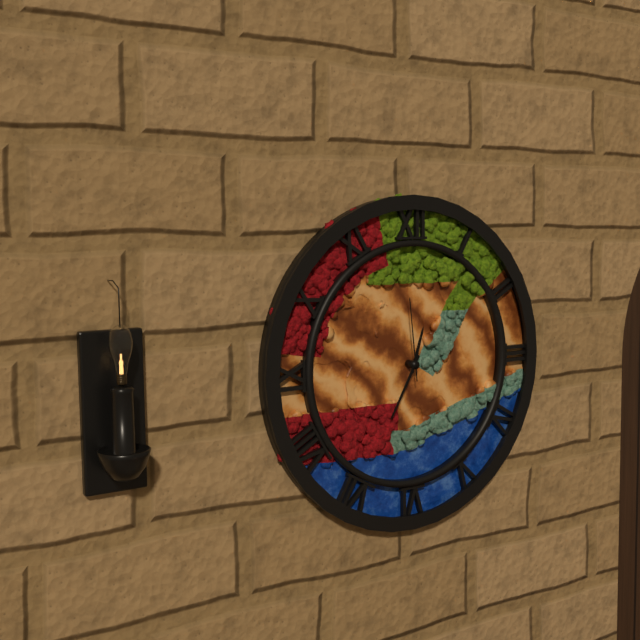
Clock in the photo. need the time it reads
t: 12:35:59
